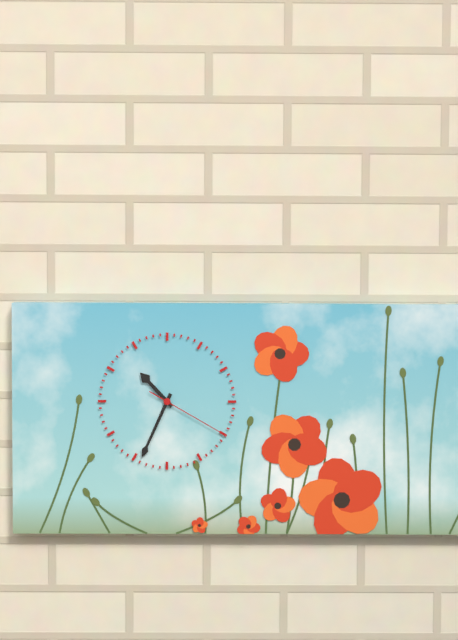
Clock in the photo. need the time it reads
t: 10:34:20
